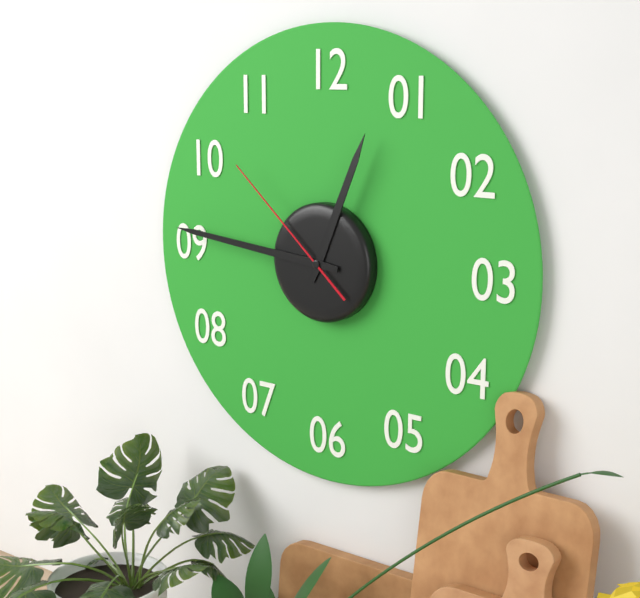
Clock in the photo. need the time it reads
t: 12:46:52
